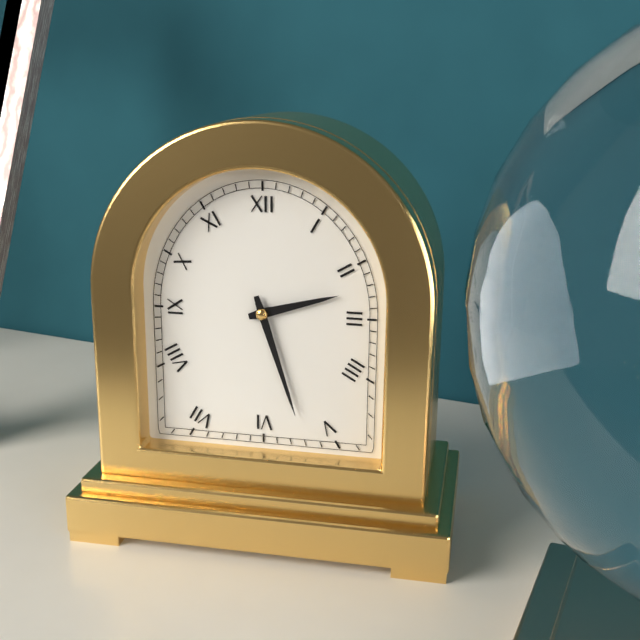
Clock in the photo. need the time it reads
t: 2:27
